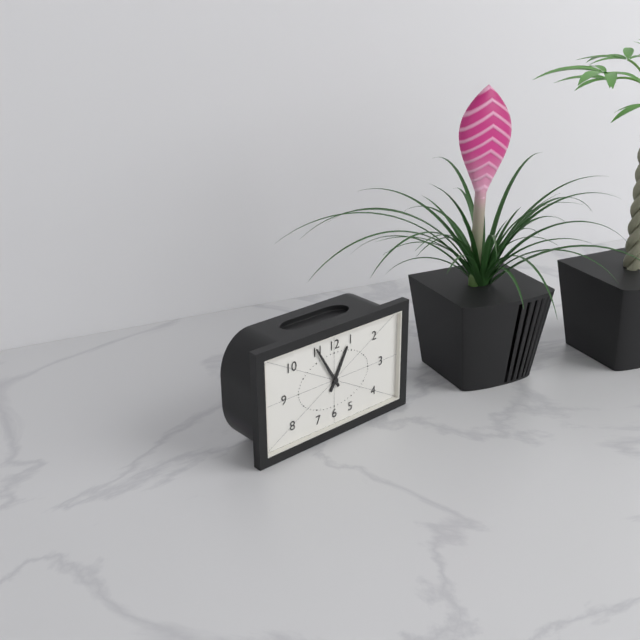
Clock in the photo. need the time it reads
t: 12:55
